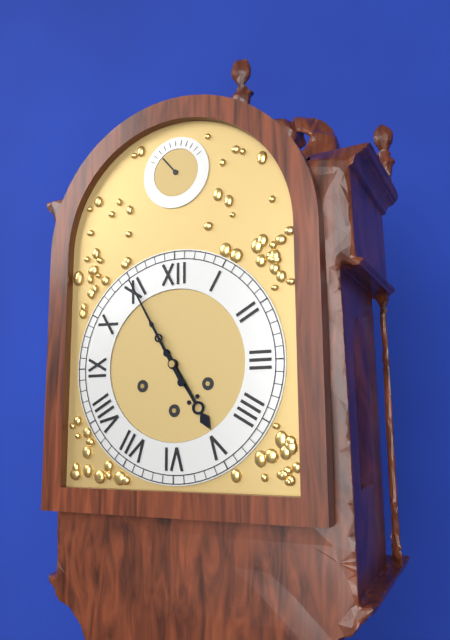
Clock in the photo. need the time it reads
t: 4:55
